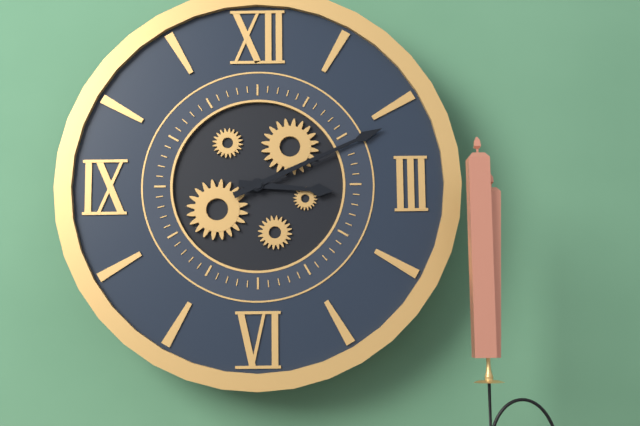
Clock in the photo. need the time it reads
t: 3:11
